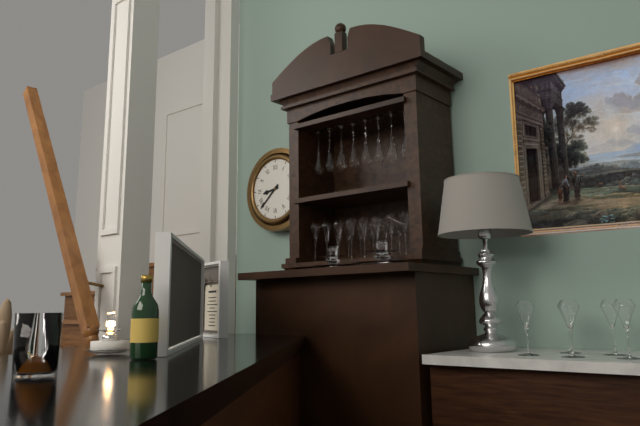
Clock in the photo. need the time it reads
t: 8:38
